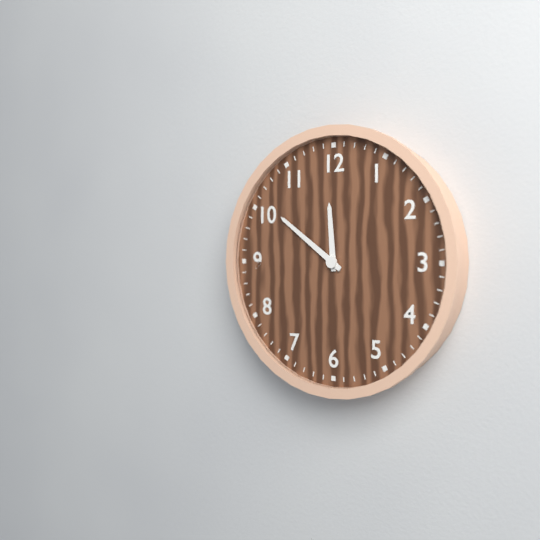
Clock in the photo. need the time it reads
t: 11:51
